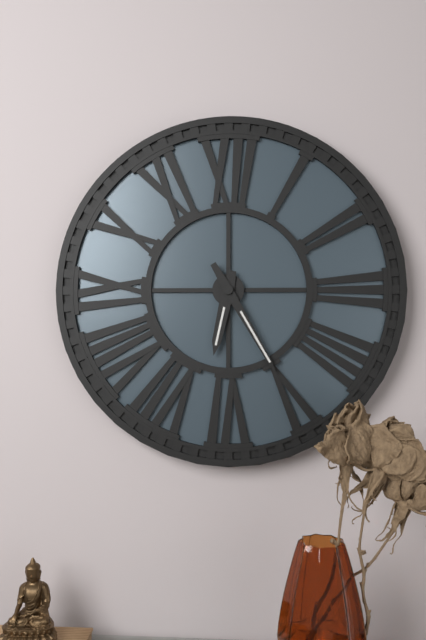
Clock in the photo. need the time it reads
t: 6:25
